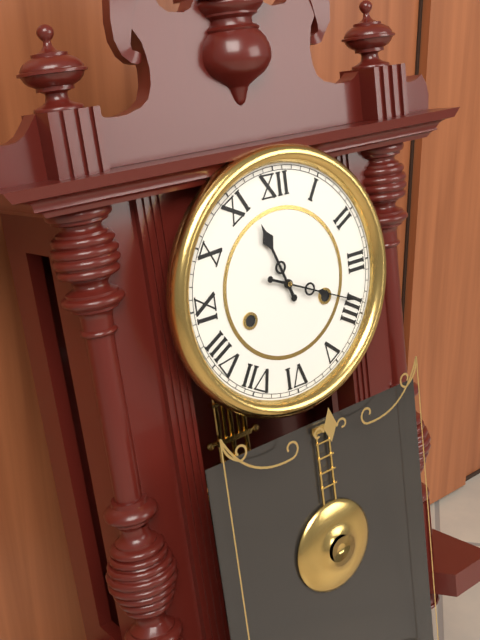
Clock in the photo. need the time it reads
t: 11:19
